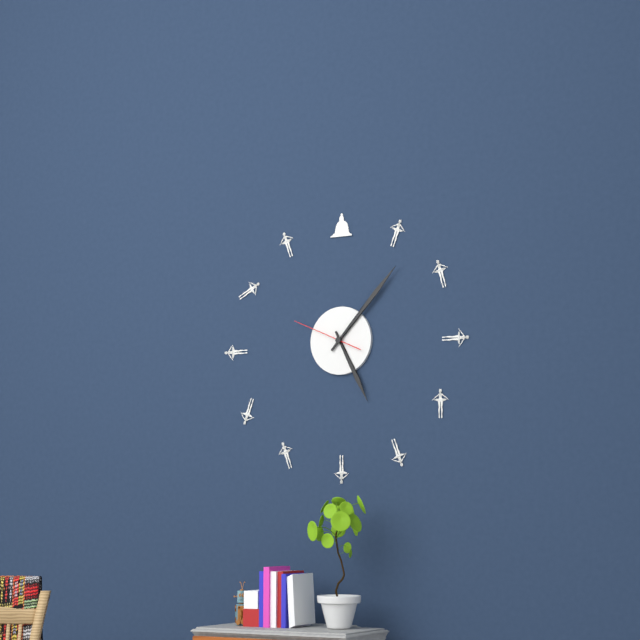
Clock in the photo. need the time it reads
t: 5:07:49
